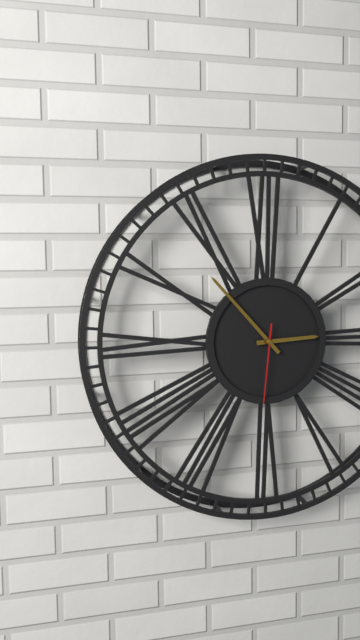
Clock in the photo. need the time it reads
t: 2:53:31
